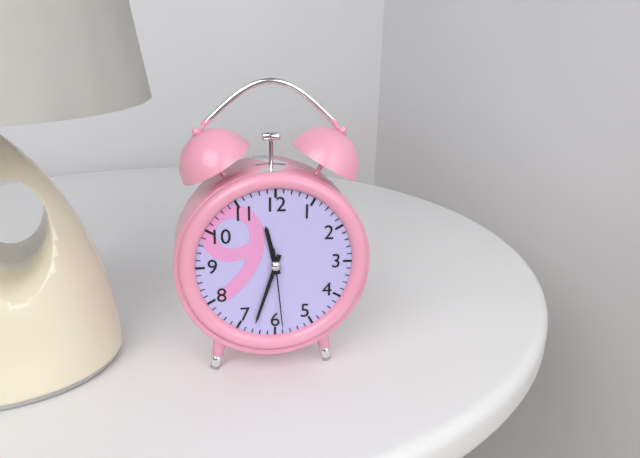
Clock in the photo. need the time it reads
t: 11:33:29
